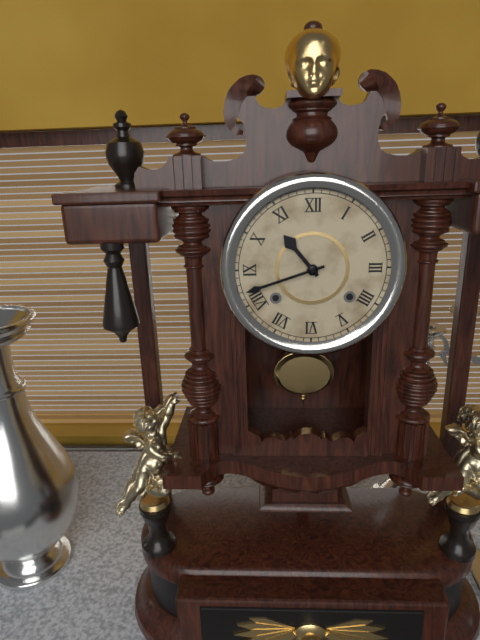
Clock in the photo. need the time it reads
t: 10:42
